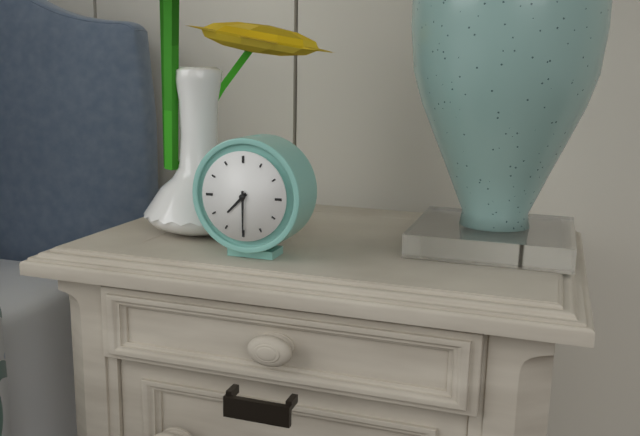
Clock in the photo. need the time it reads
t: 7:30
